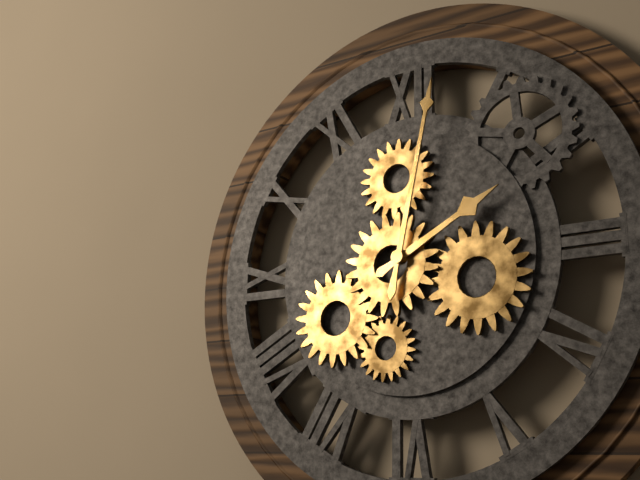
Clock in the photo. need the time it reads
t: 2:02
